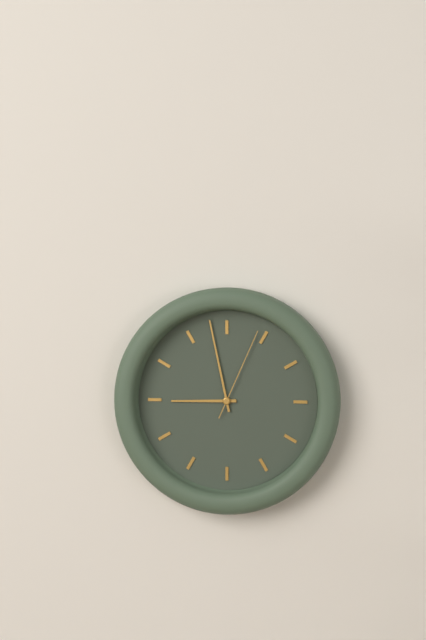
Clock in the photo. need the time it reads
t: 8:58:04
